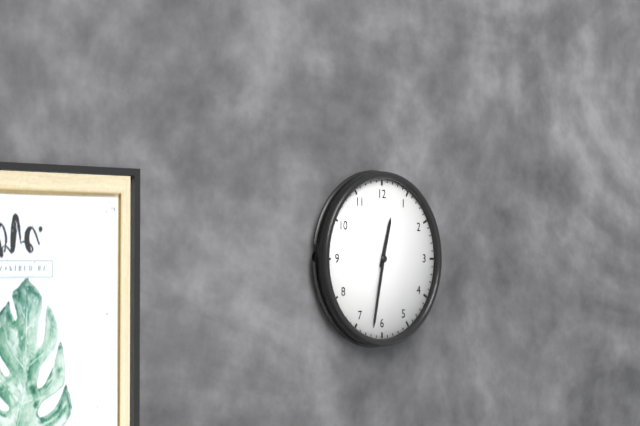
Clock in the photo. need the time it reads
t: 12:32
